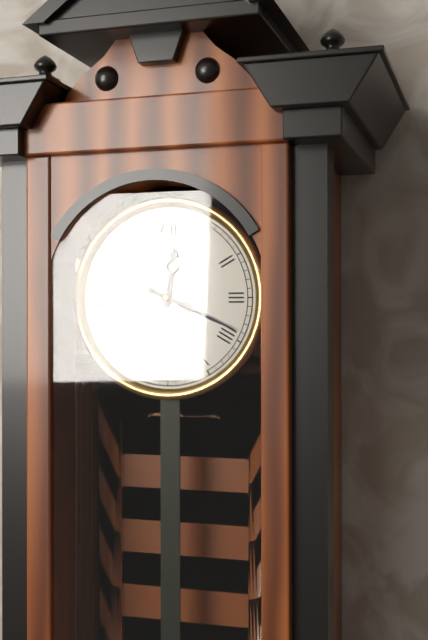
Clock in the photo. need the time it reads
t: 12:19
